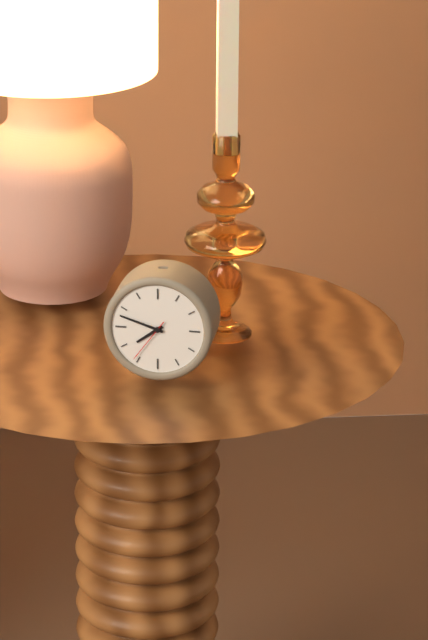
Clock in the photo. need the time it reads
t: 7:48
